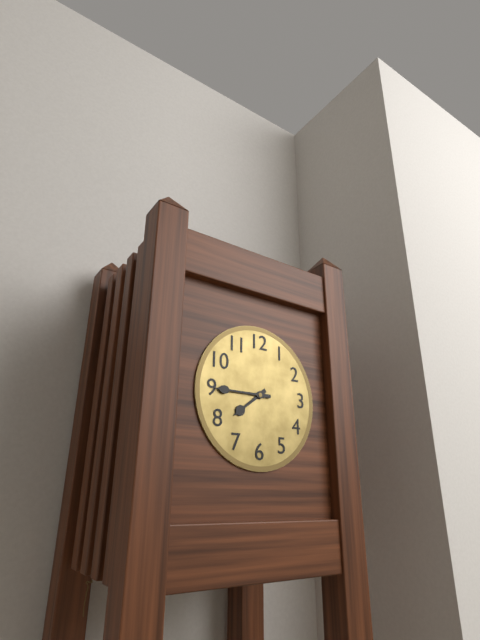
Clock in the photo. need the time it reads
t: 7:45
